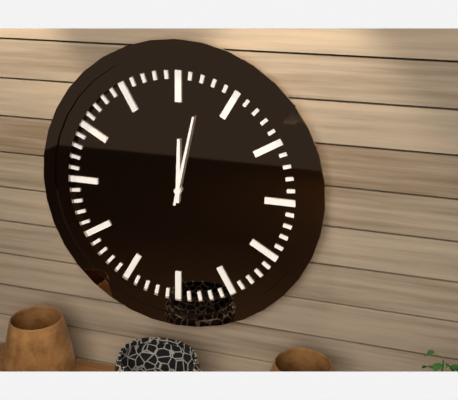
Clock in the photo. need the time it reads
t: 12:02
